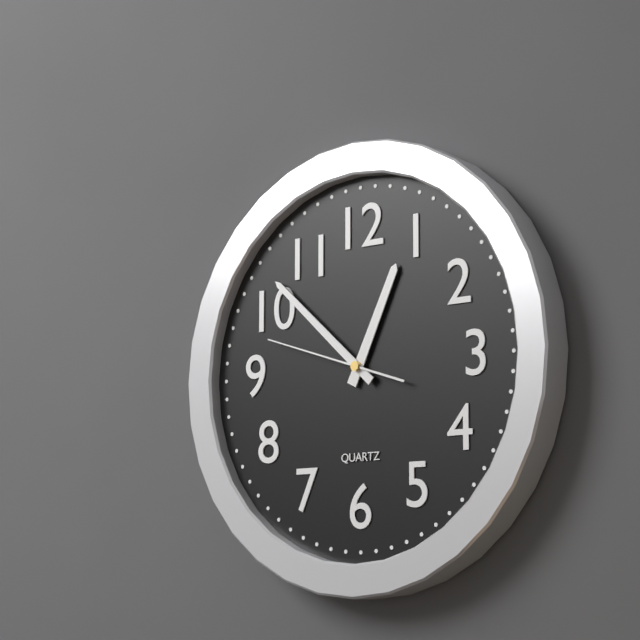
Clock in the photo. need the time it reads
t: 12:52:48
